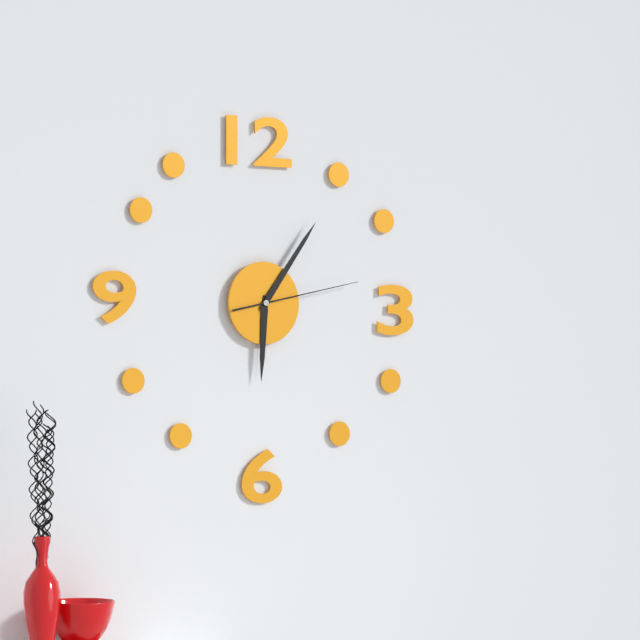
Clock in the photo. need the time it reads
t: 6:06:13
